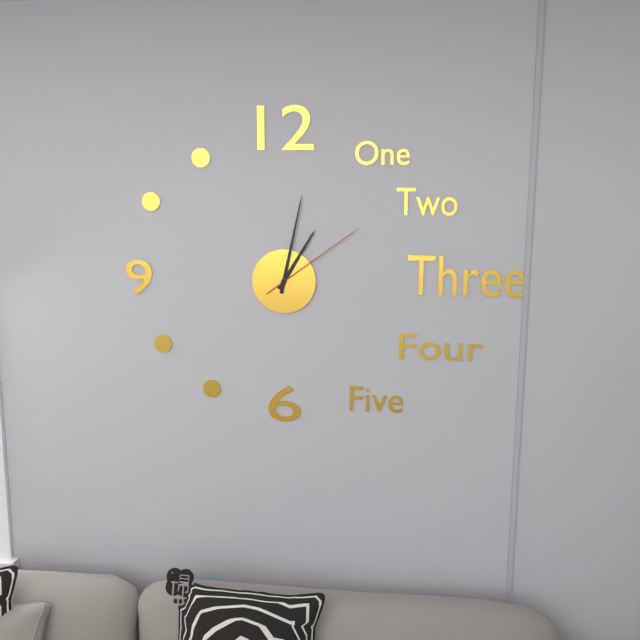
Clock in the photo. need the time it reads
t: 1:02:09
